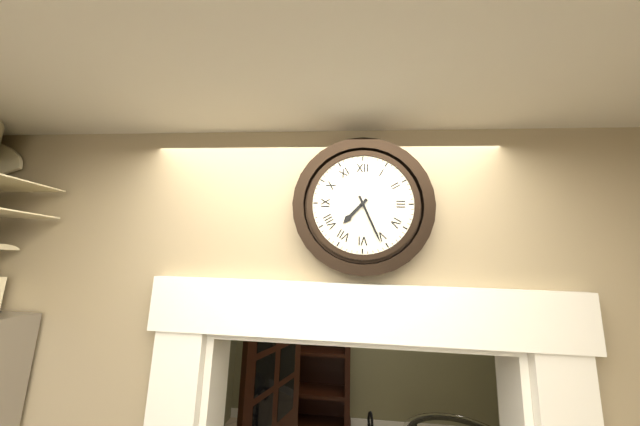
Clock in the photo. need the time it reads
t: 7:26
